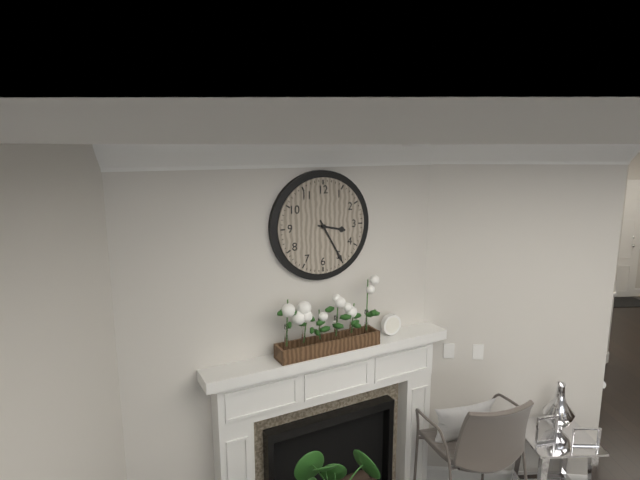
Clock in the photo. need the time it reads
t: 3:25
